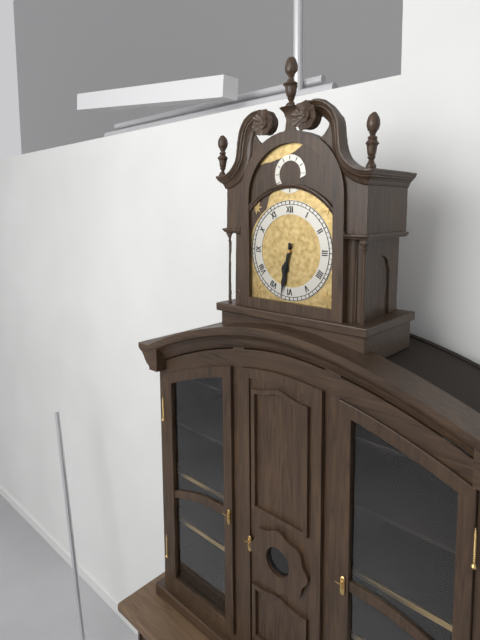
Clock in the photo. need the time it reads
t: 6:32
